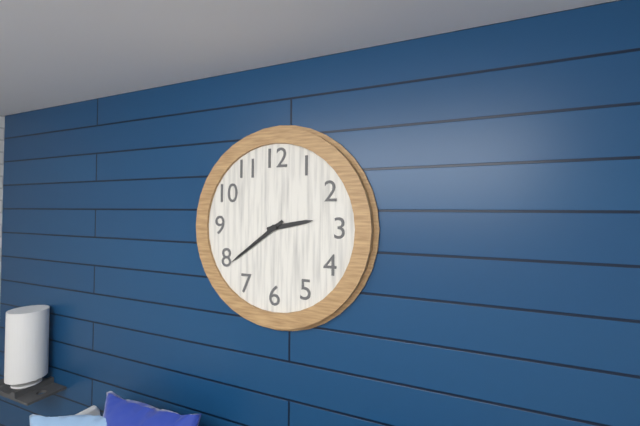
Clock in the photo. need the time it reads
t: 2:39
